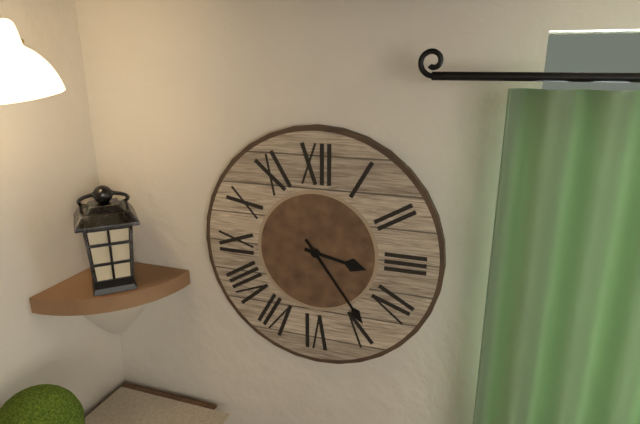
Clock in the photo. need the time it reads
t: 3:24
